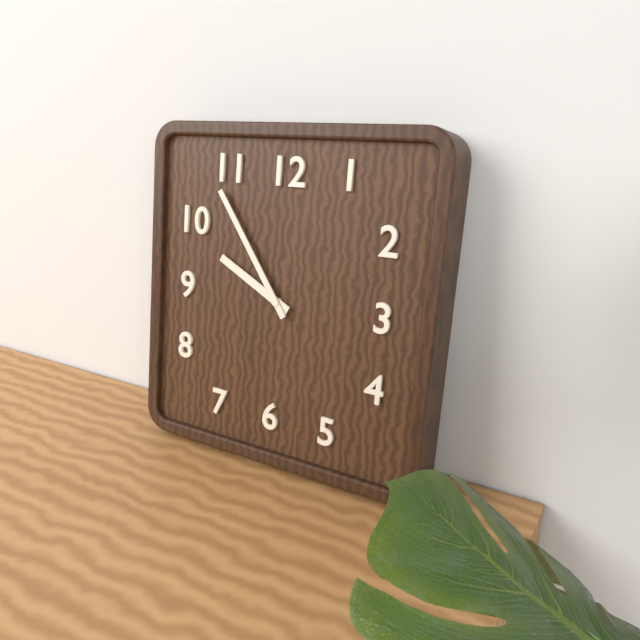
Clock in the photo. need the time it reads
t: 9:54
